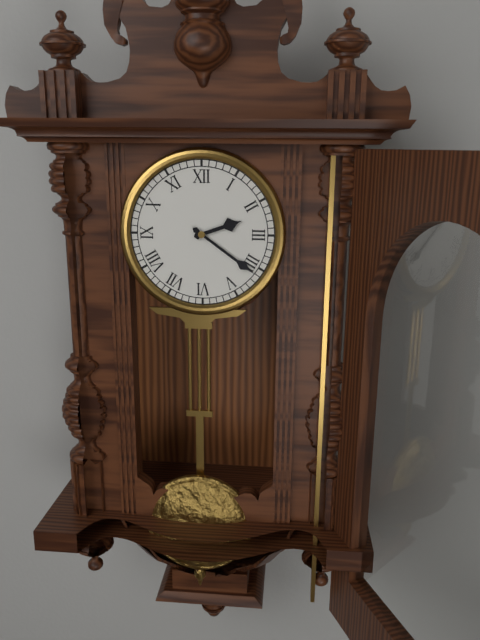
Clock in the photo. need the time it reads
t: 2:21
